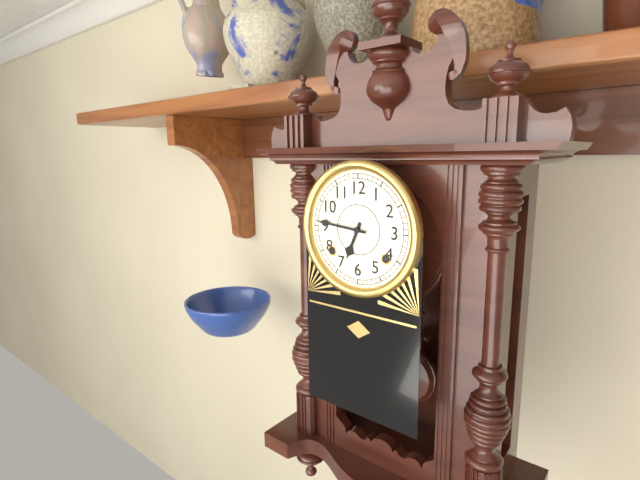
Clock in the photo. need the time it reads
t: 6:46
